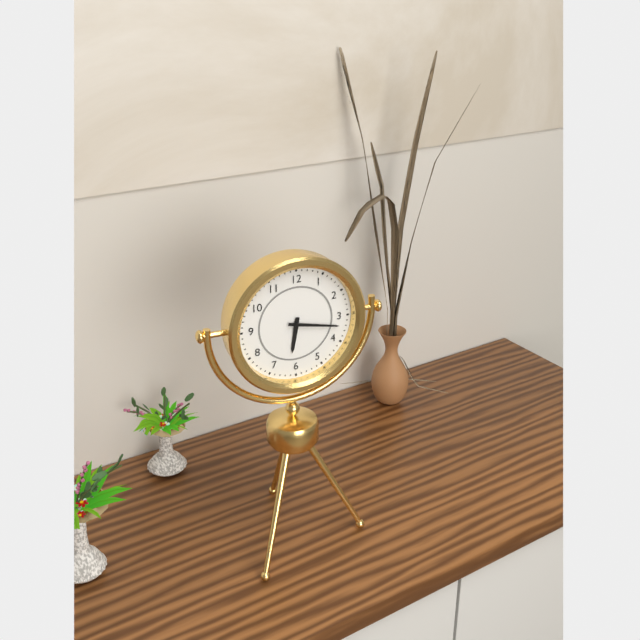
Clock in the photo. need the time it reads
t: 6:17
